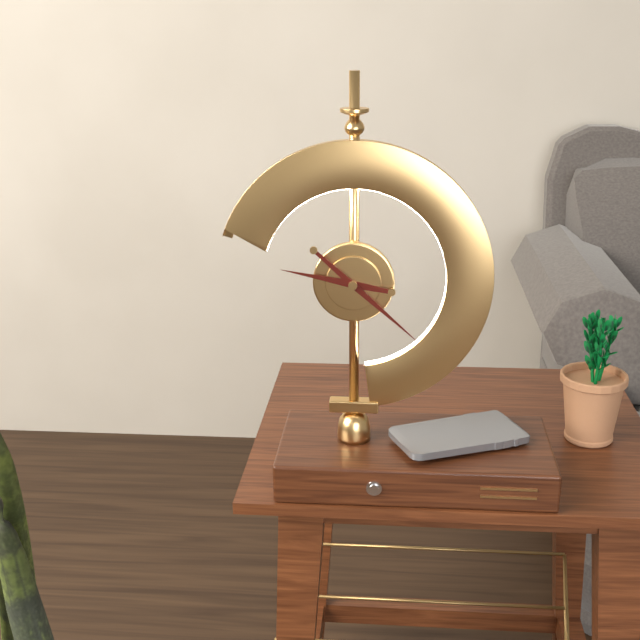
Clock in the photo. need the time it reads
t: 9:22
